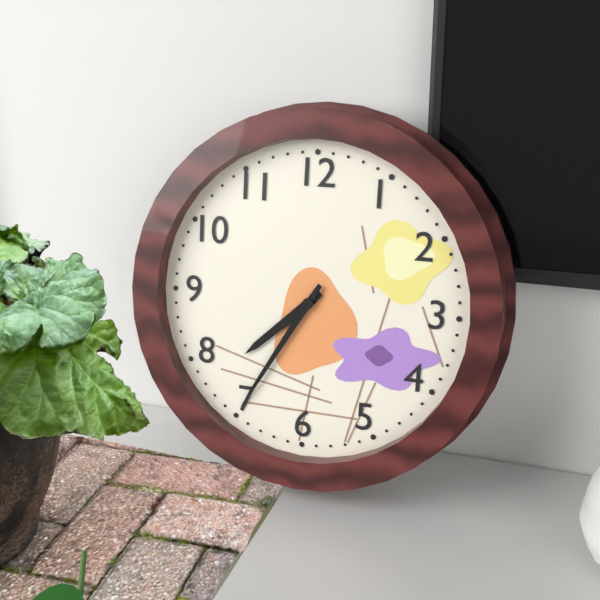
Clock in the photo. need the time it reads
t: 7:35
